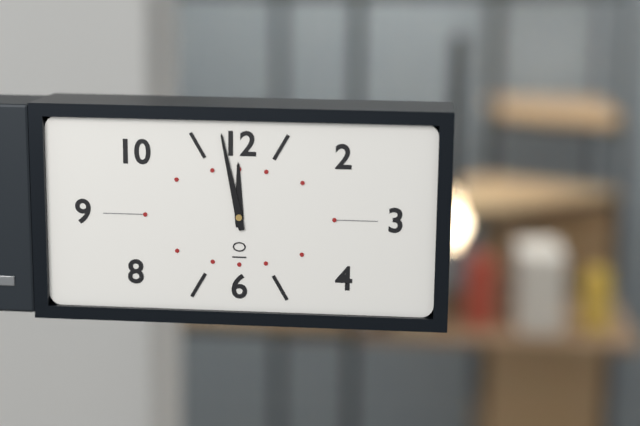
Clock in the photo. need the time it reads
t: 11:58
